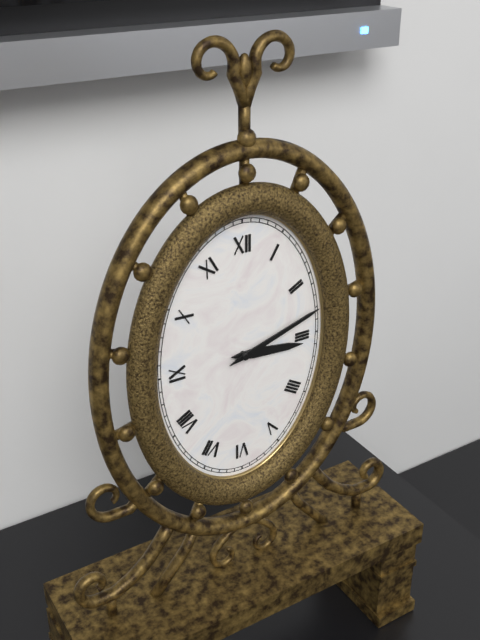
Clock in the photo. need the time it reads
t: 3:12
